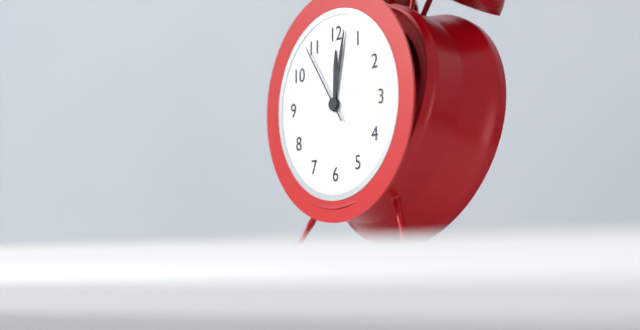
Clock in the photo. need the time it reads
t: 12:02:54
